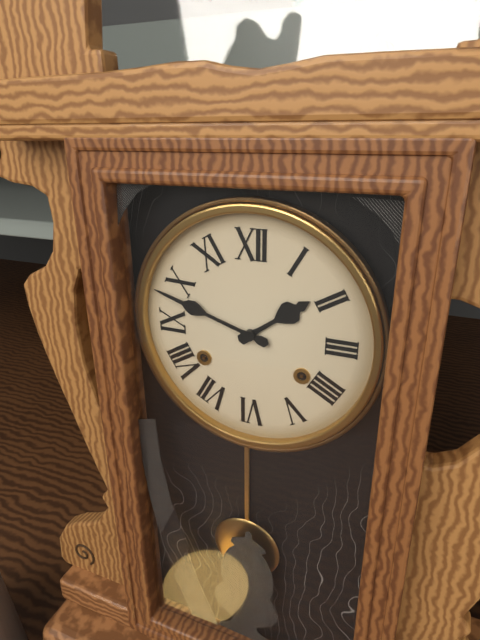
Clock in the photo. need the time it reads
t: 1:48
